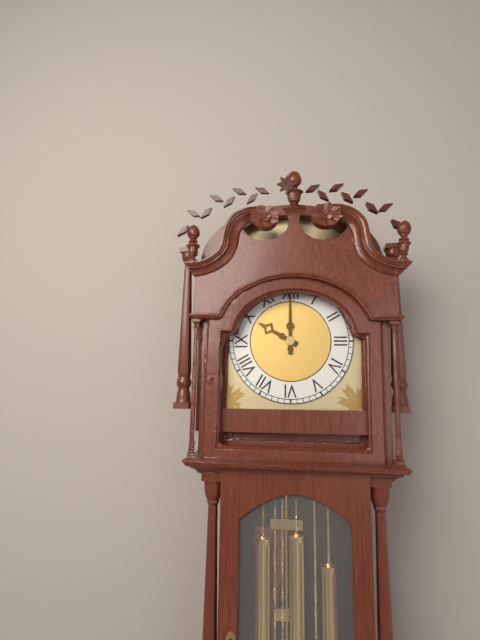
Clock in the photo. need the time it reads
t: 10:00
